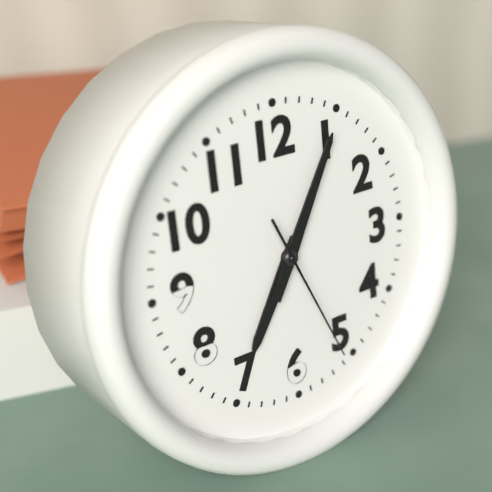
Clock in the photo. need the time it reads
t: 7:05:26
